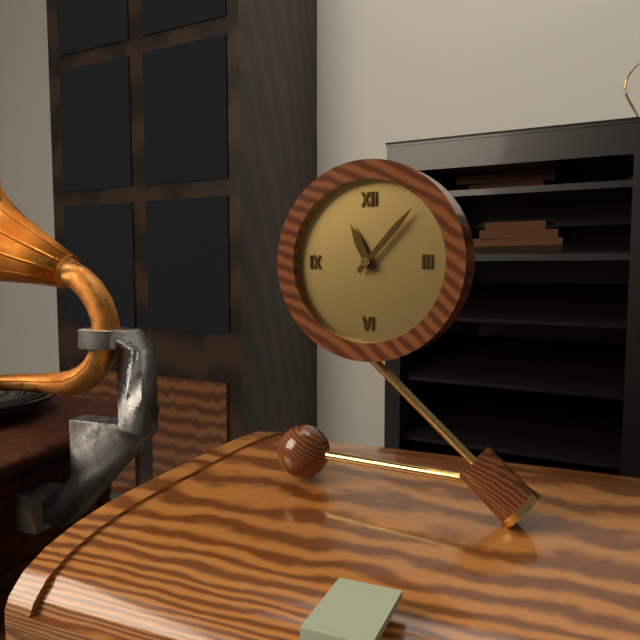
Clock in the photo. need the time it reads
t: 11:07
